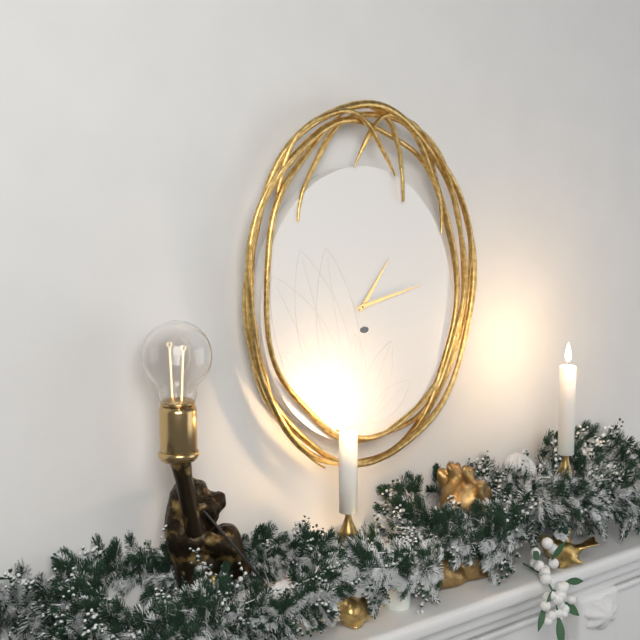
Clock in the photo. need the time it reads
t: 1:13
